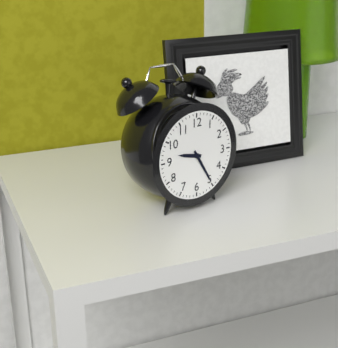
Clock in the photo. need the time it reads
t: 9:25
